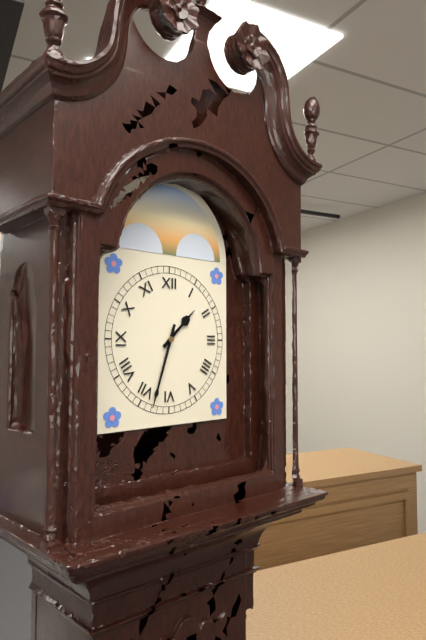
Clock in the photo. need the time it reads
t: 1:33
